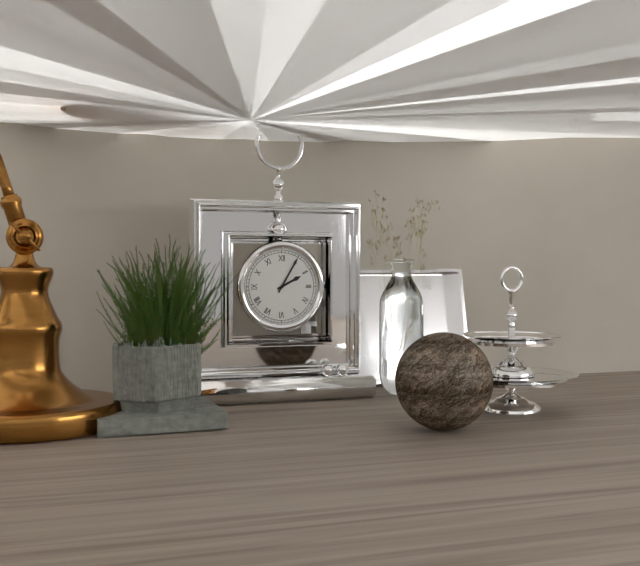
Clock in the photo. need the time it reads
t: 2:05
